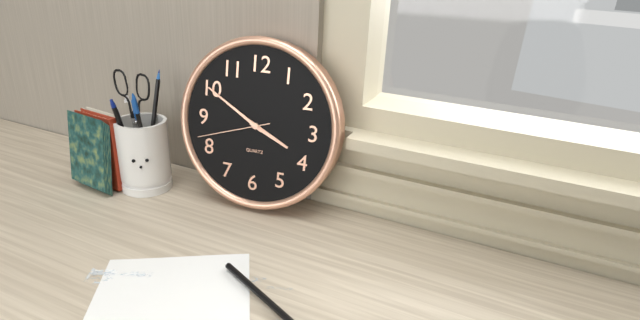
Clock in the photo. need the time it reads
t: 3:50:42
